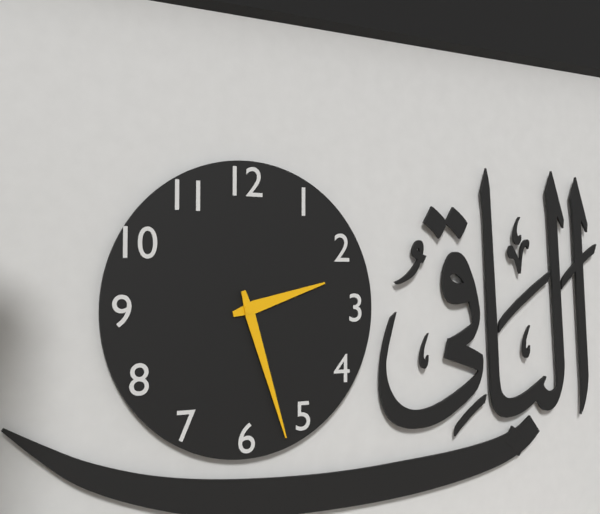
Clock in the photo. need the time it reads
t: 2:27
